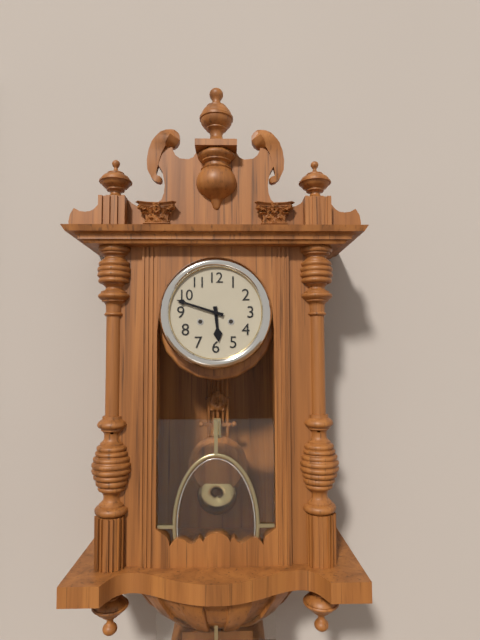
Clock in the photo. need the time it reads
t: 5:48
